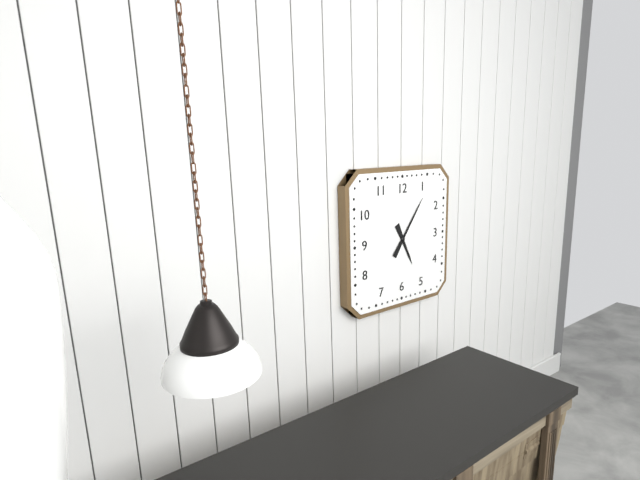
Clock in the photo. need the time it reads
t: 5:06
